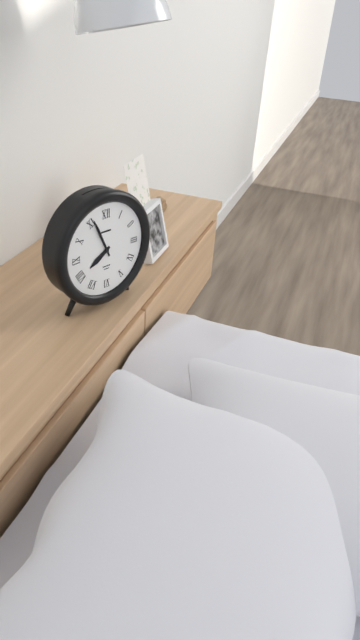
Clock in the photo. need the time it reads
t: 7:56
